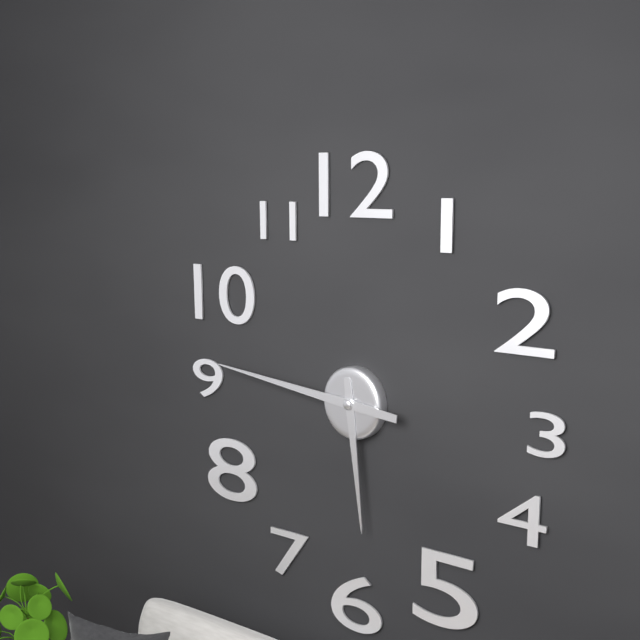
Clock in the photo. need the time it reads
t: 5:46
